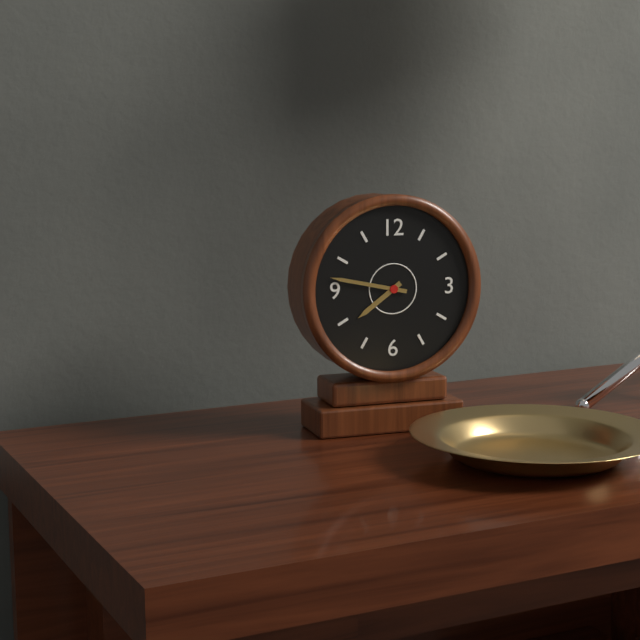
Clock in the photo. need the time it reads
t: 7:47
